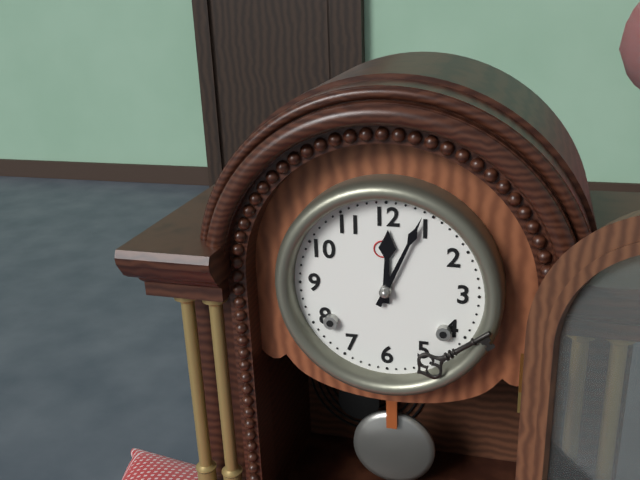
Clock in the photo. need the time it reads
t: 12:04
